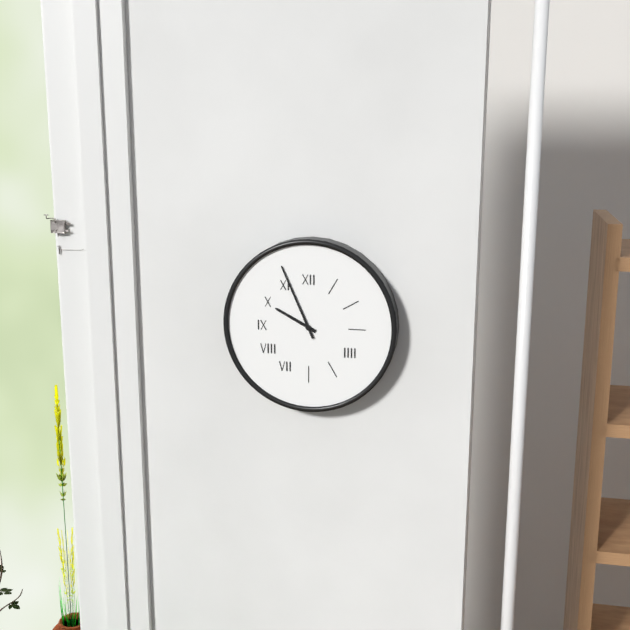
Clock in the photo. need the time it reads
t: 9:56
